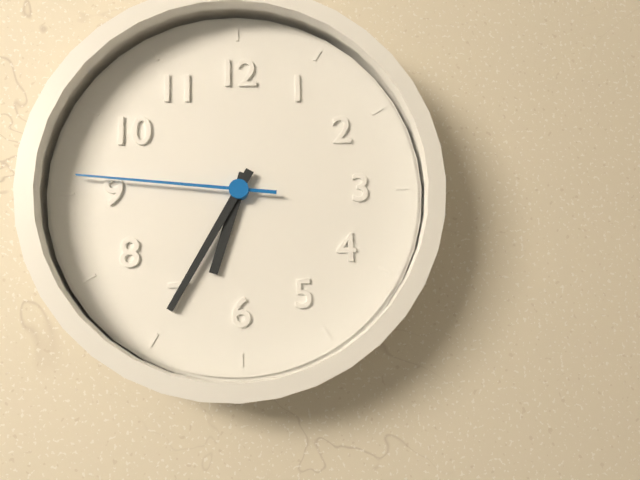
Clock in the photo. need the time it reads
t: 6:35:46
